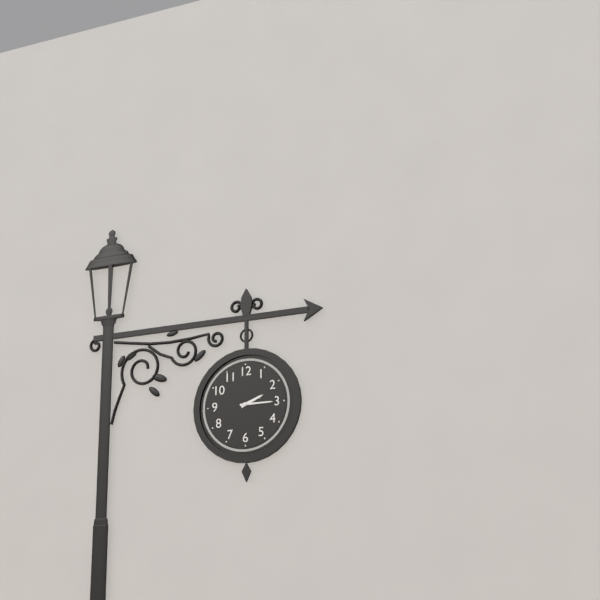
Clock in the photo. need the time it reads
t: 2:15
